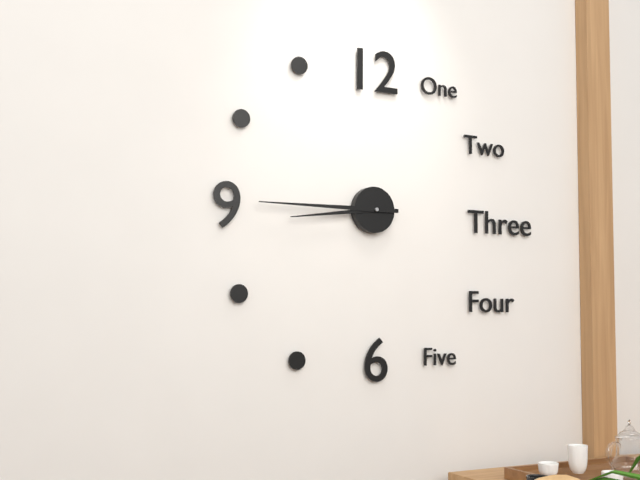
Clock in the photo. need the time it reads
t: 8:45
